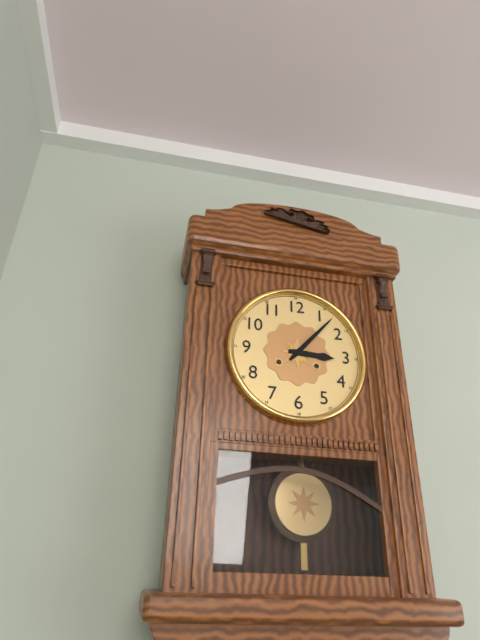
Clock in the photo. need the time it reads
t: 3:07
